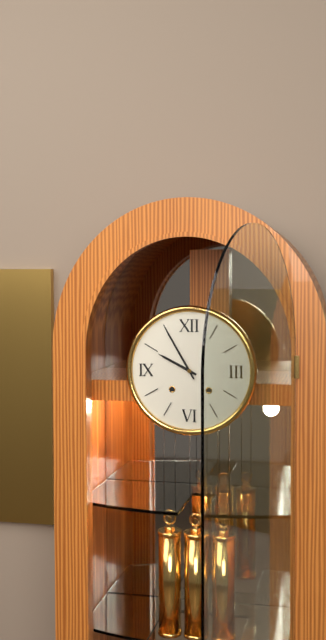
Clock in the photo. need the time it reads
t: 9:55
